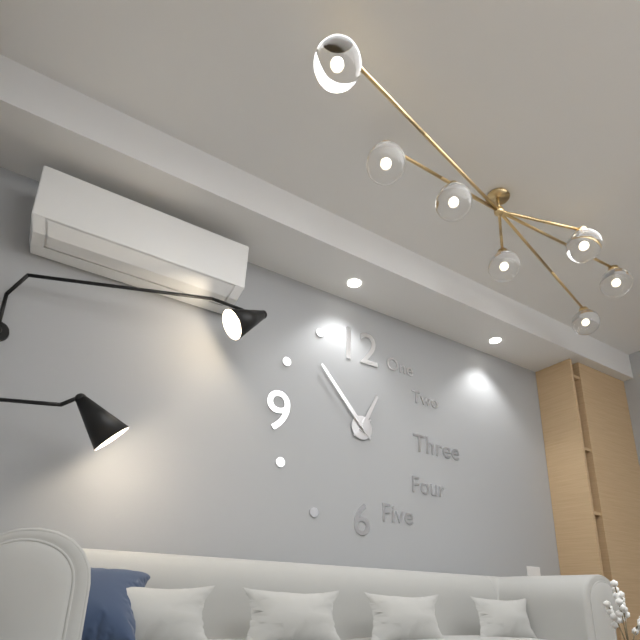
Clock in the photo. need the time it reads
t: 12:53
